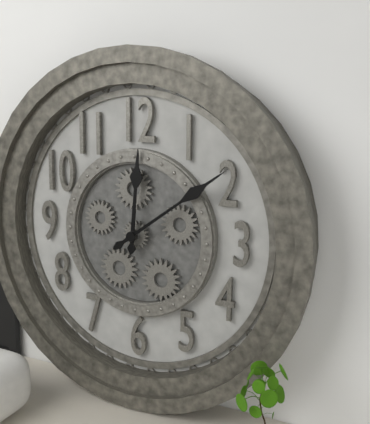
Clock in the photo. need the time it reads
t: 12:09
